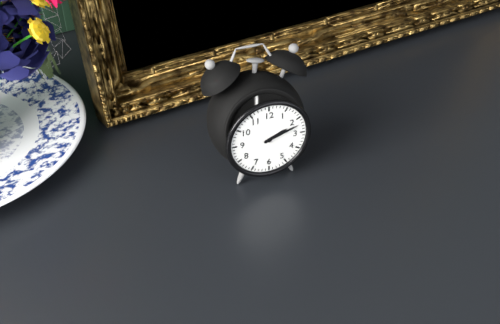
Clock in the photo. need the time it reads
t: 2:12
